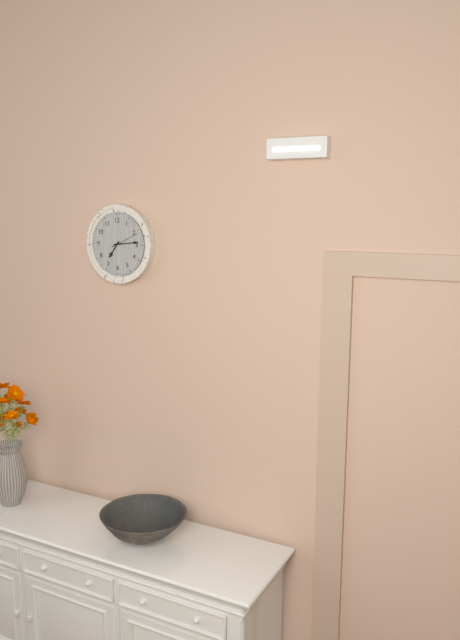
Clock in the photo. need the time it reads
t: 7:14
